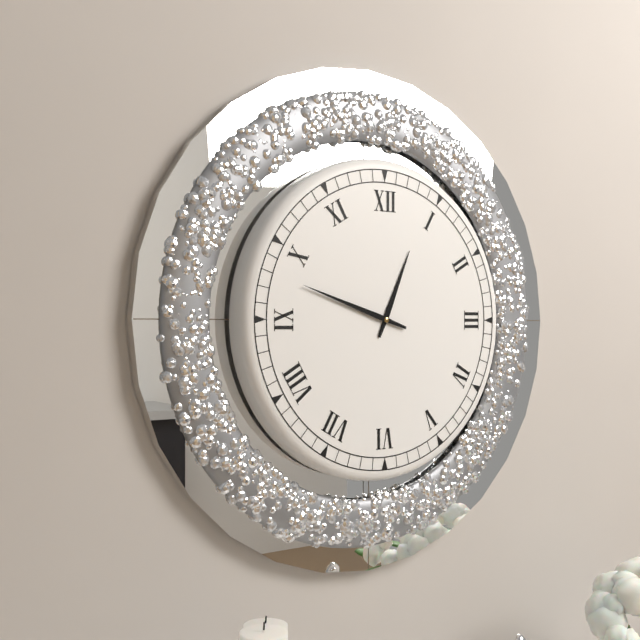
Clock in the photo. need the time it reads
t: 12:48
